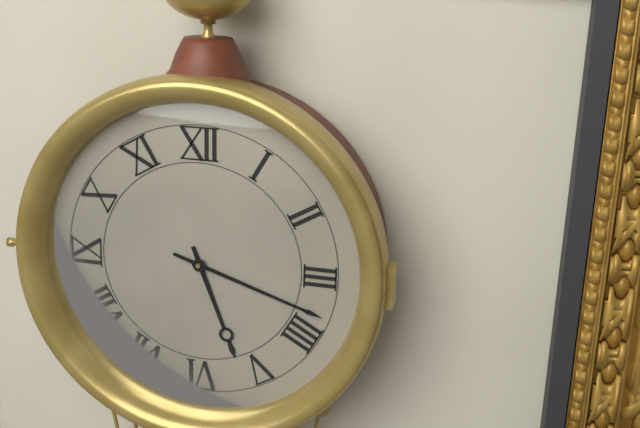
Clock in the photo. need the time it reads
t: 5:18
